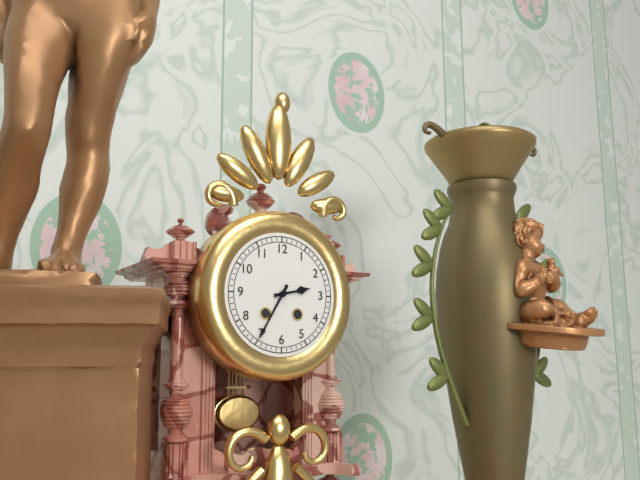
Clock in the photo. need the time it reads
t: 2:35
